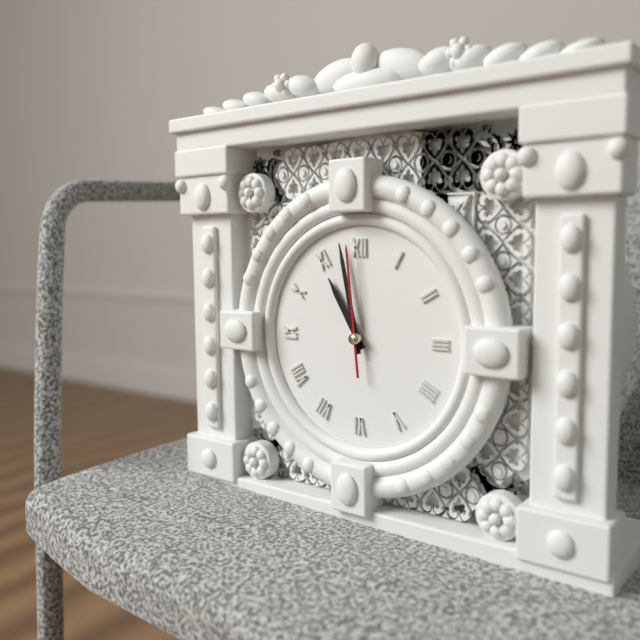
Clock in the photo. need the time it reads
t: 10:58:59
